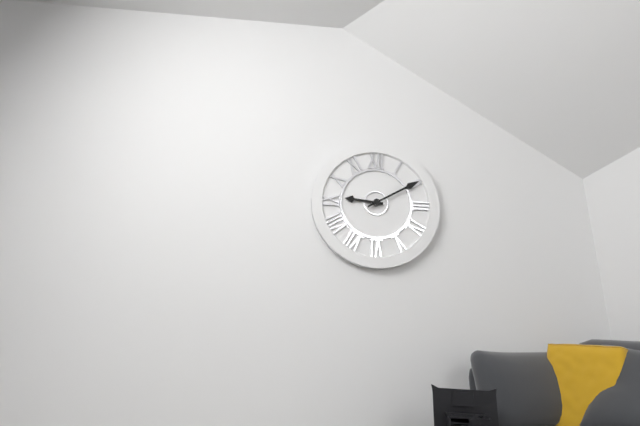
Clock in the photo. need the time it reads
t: 9:10
